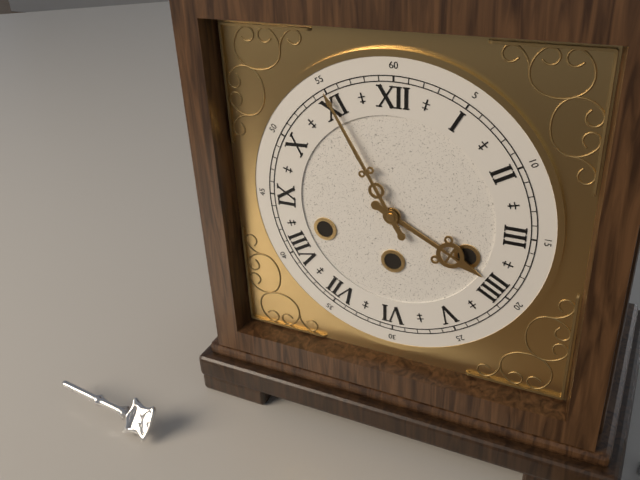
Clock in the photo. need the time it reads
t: 3:55
